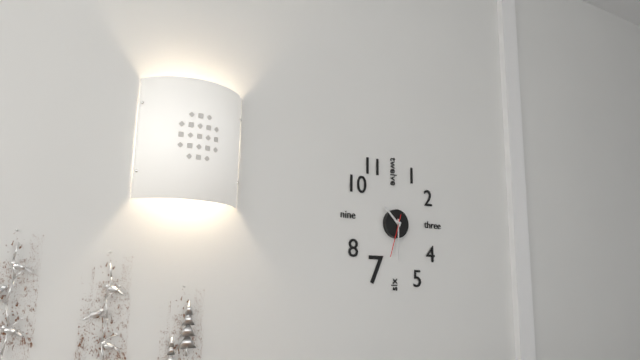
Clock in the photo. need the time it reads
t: 10:30
